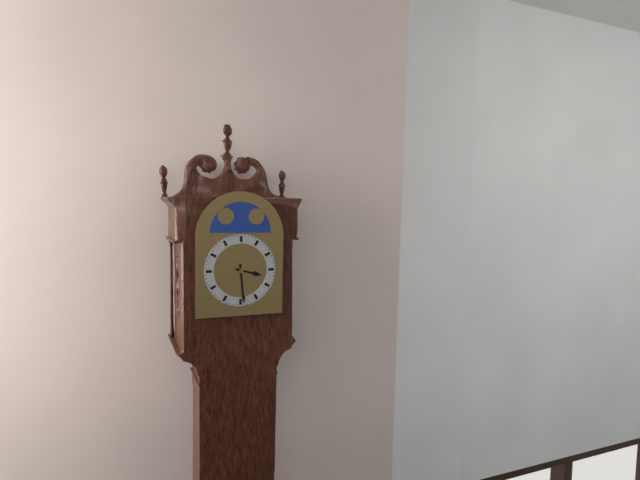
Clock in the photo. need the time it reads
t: 3:29
